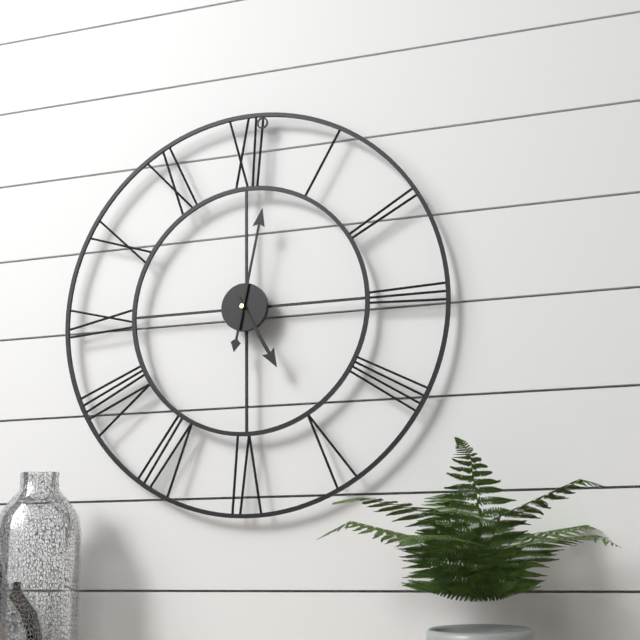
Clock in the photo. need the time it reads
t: 5:02
